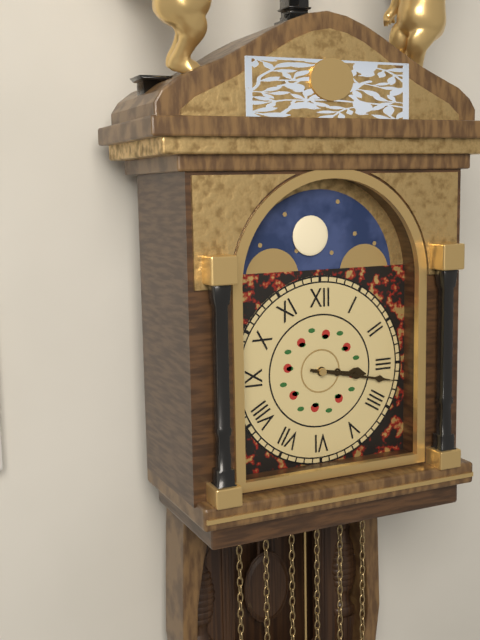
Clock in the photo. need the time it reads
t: 3:17
